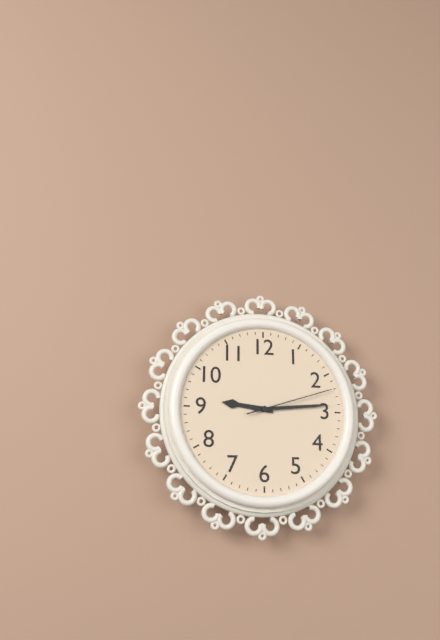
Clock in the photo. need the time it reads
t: 9:14:12
